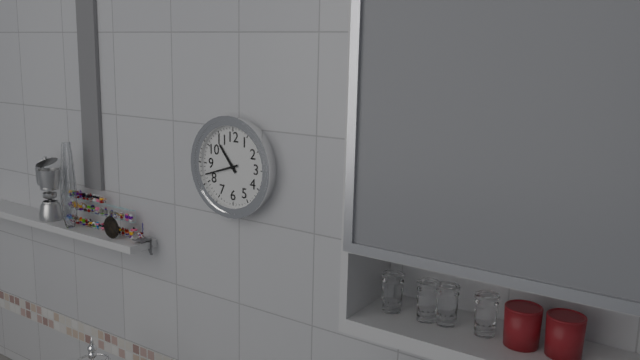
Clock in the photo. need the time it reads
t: 10:42
